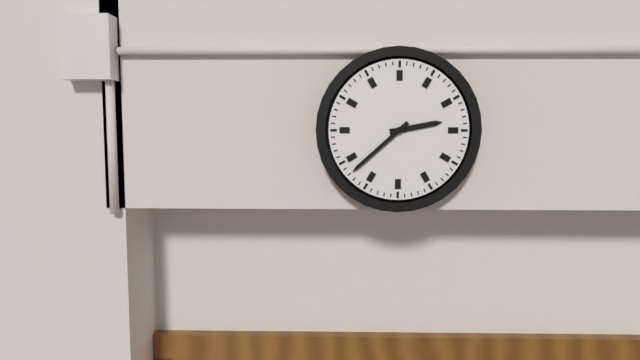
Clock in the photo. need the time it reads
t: 2:38
